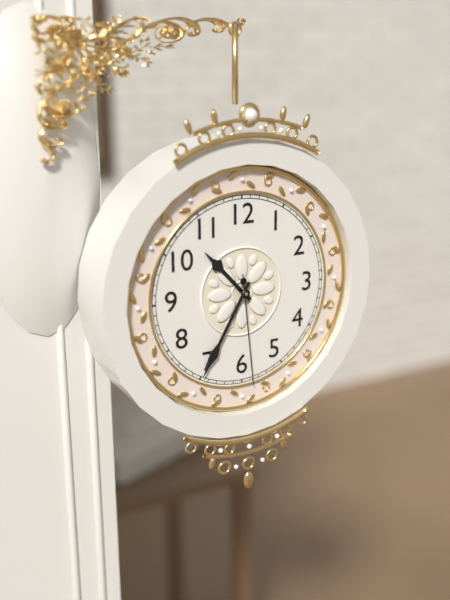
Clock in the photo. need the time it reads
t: 10:35:29
